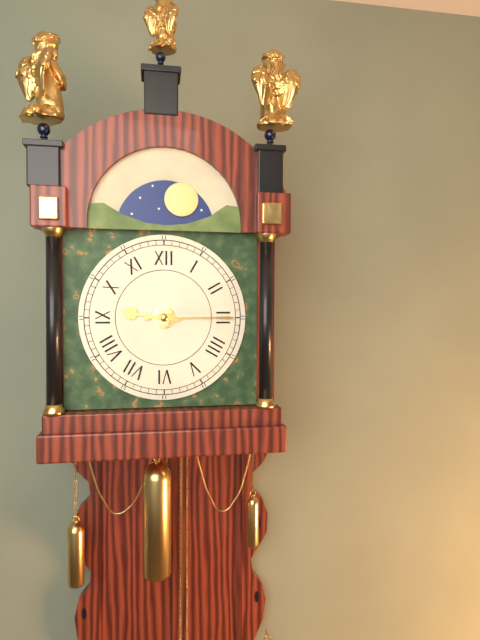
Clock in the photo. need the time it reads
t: 9:15
